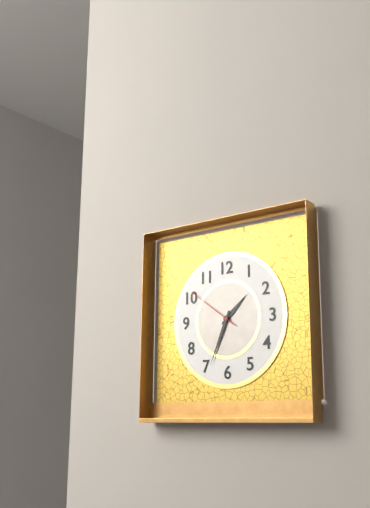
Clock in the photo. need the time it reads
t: 1:34:51
